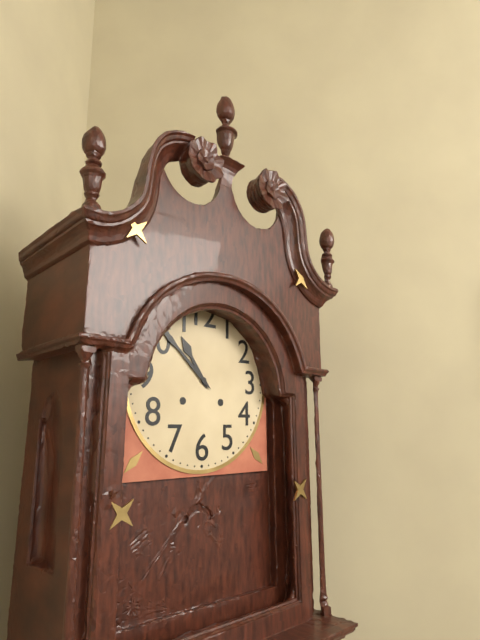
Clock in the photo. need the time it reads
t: 10:52
